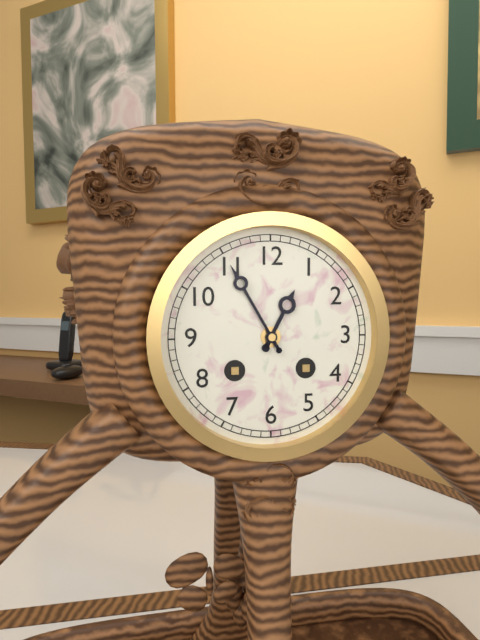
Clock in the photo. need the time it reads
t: 12:55
